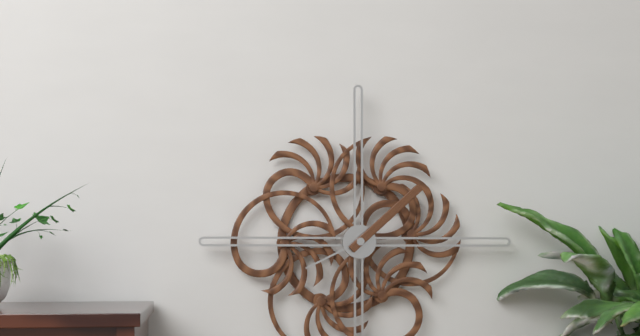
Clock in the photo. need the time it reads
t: 8:08
